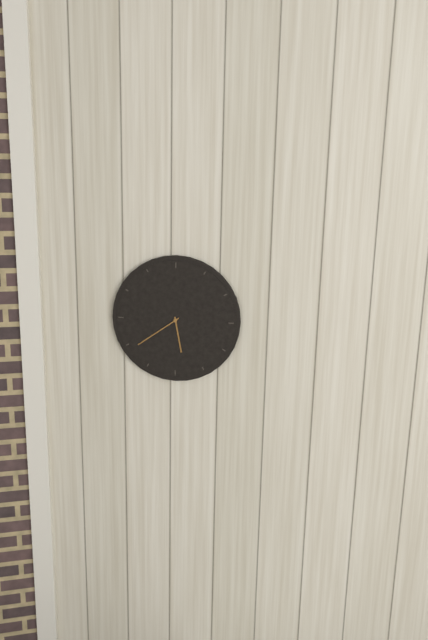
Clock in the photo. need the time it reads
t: 5:39
